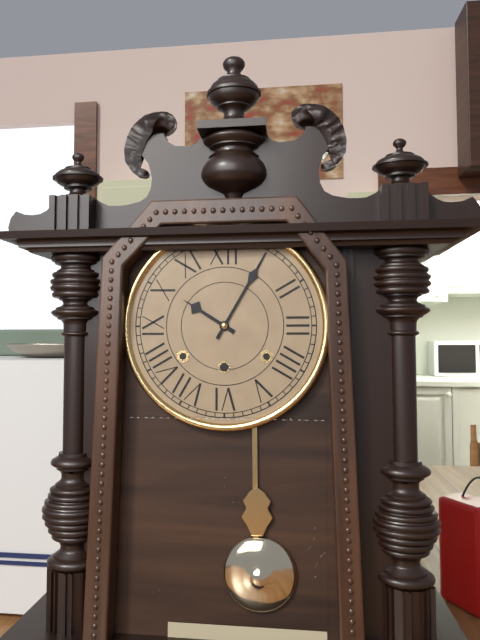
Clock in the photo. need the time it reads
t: 10:05
